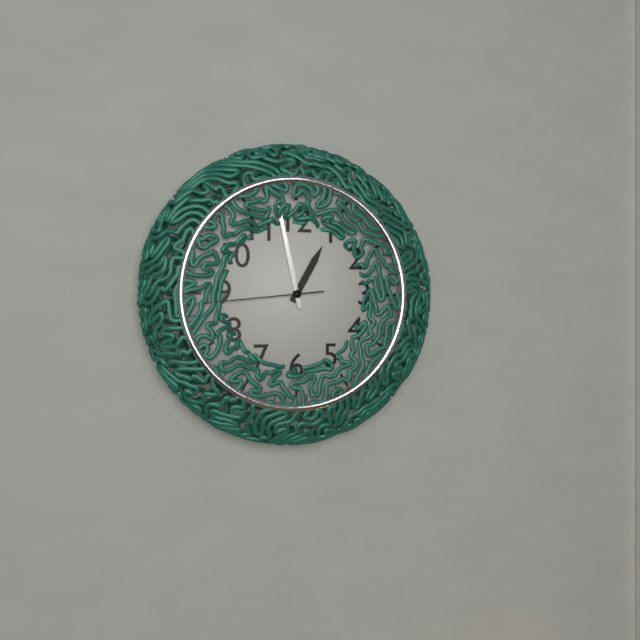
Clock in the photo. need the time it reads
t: 12:58:44
